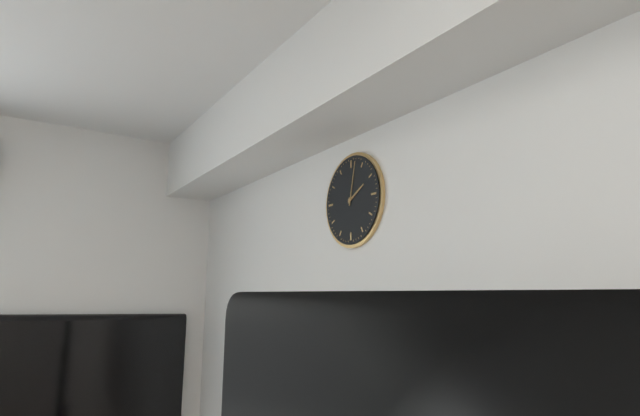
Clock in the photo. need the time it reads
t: 2:02
